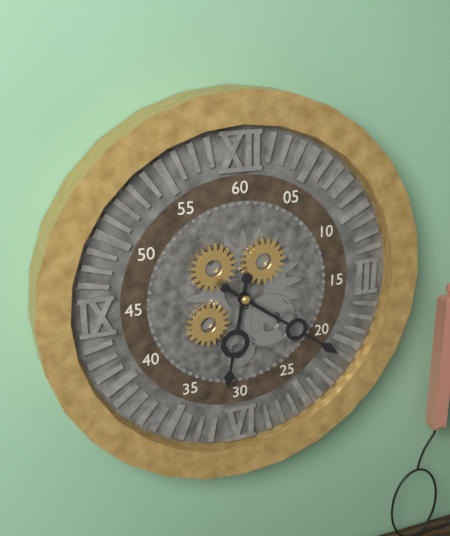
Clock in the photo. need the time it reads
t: 6:21
